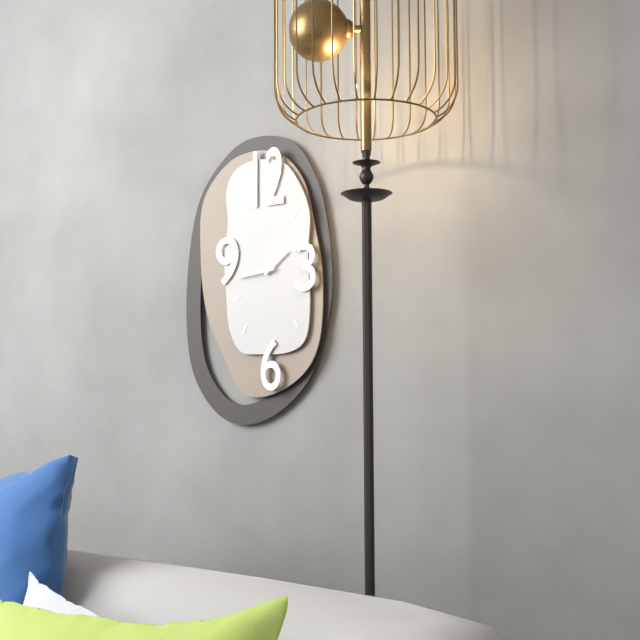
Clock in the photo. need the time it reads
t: 1:44
